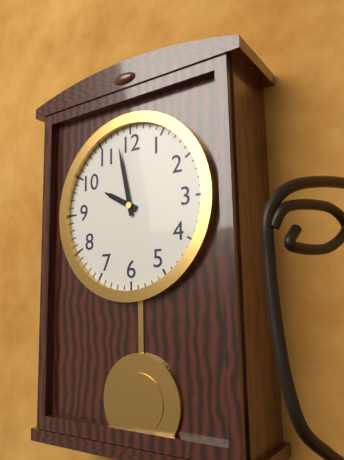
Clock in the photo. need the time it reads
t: 9:58
